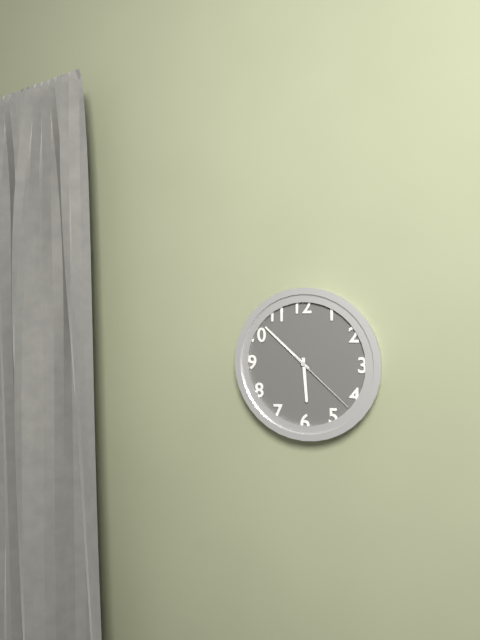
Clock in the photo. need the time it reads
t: 5:52:22
